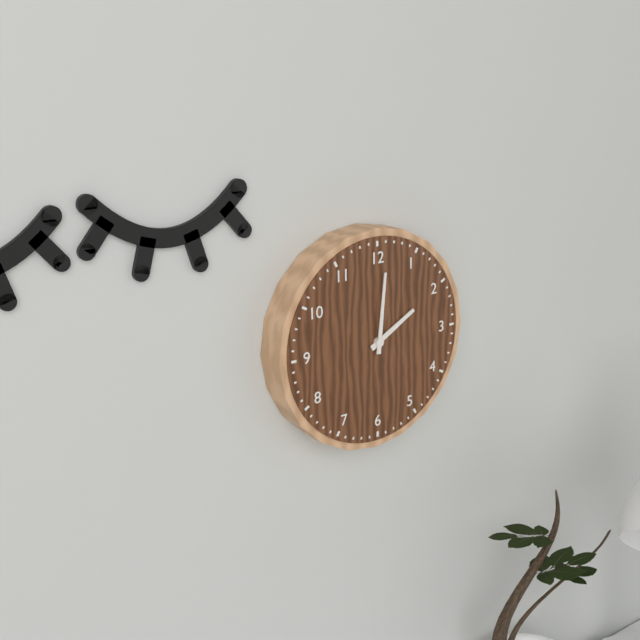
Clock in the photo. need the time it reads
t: 2:01
